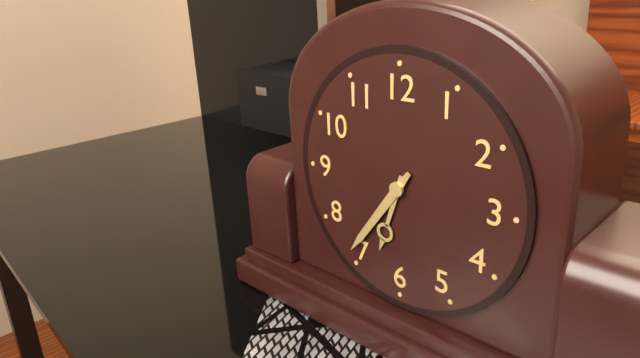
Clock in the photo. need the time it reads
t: 6:36
